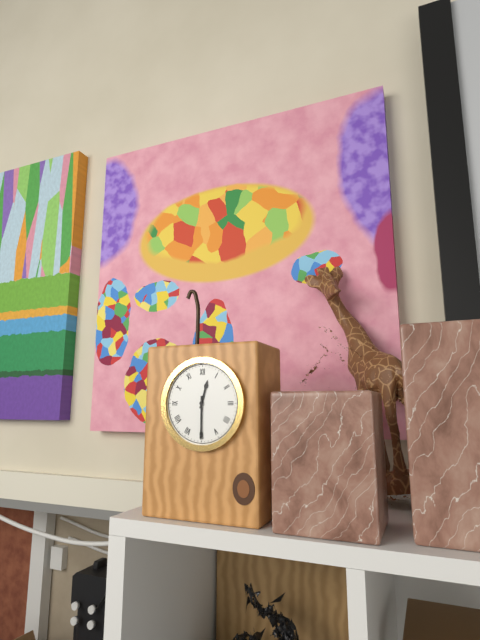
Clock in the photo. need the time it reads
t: 12:30
